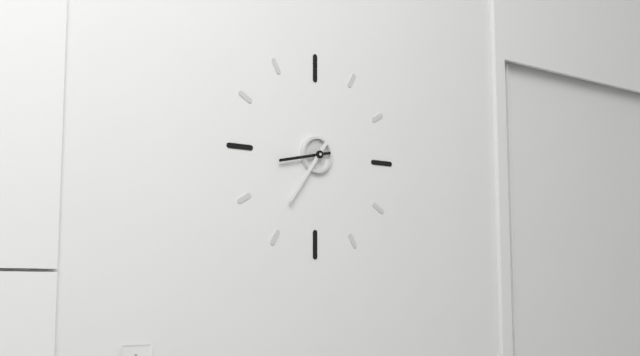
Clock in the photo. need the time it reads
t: 8:36
